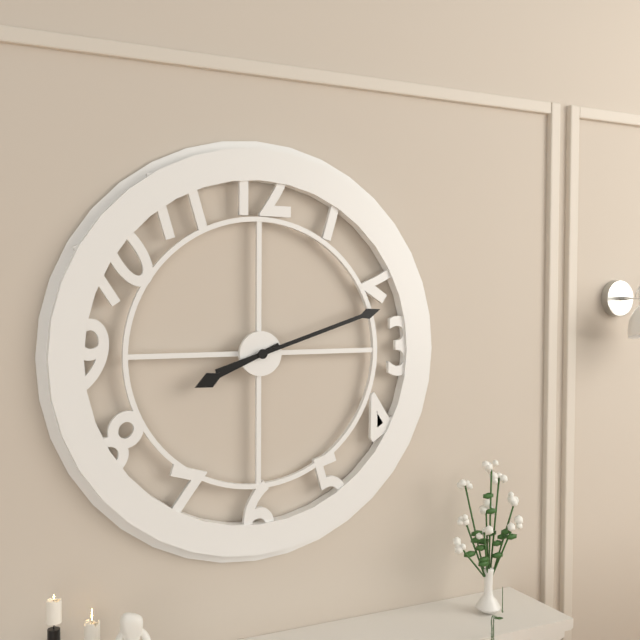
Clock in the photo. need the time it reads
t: 8:12
